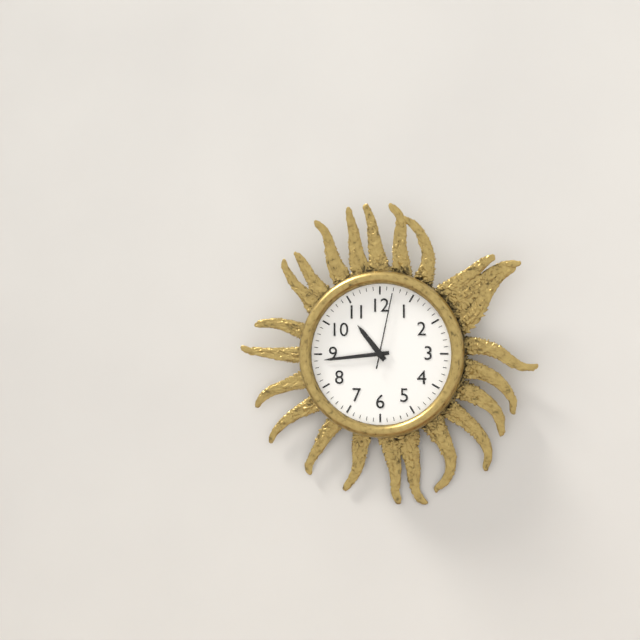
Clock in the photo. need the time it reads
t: 10:44:02
